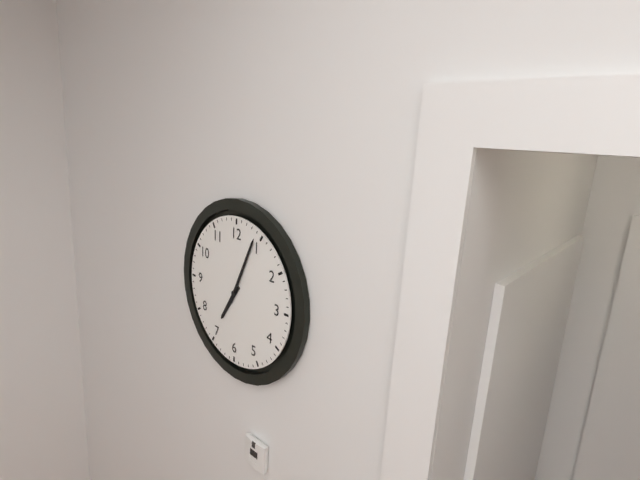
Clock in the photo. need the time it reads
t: 7:04
